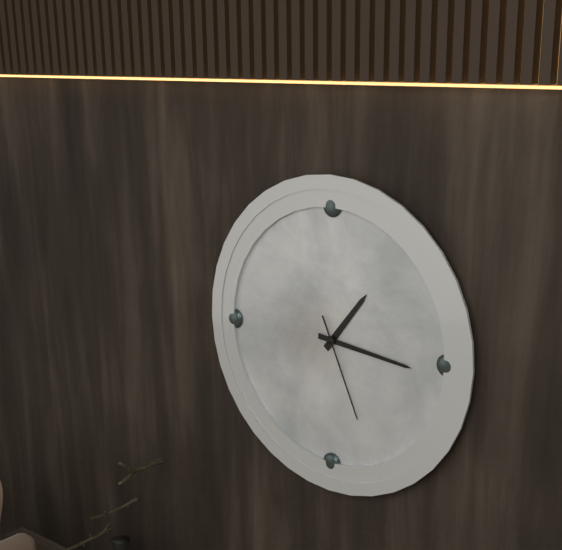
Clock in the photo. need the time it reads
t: 1:16:26
